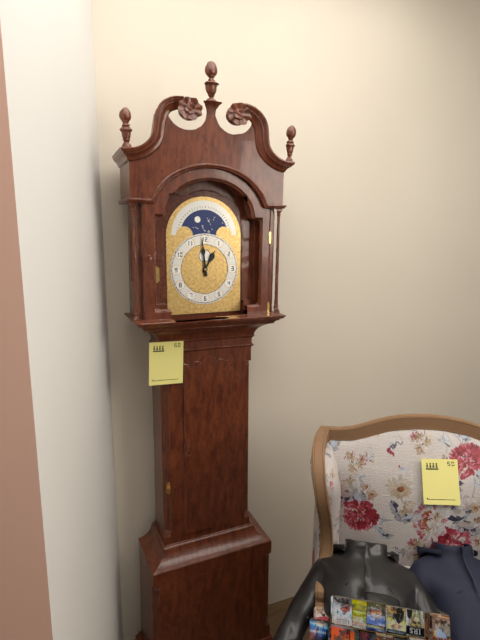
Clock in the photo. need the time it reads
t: 12:59
